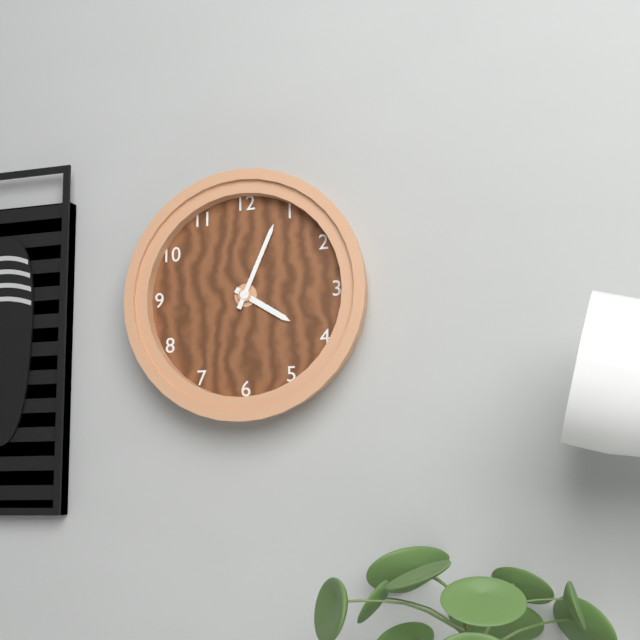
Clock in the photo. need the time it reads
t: 4:04
